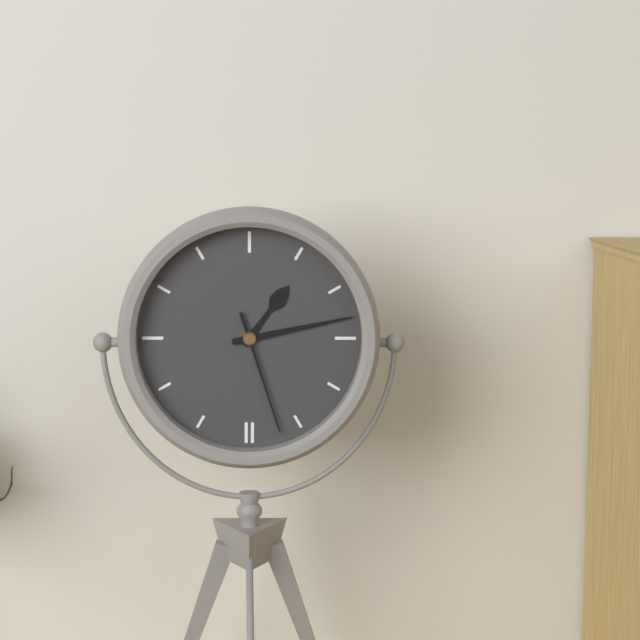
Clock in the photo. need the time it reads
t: 1:13:27
